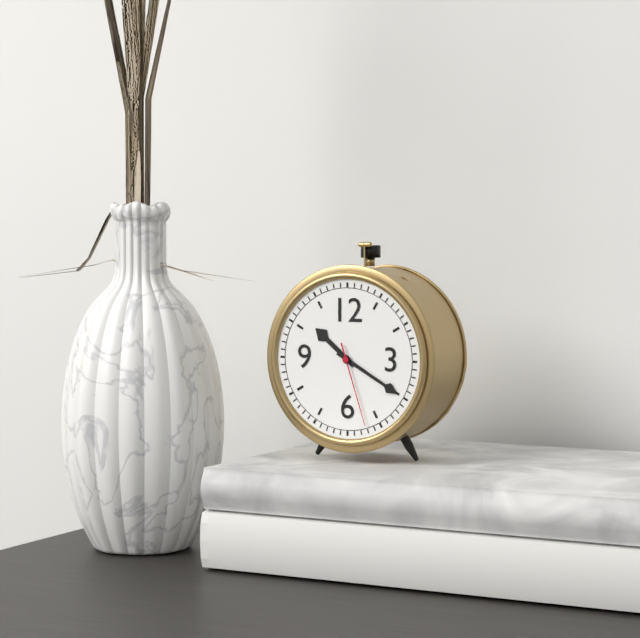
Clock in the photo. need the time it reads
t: 10:20:27
